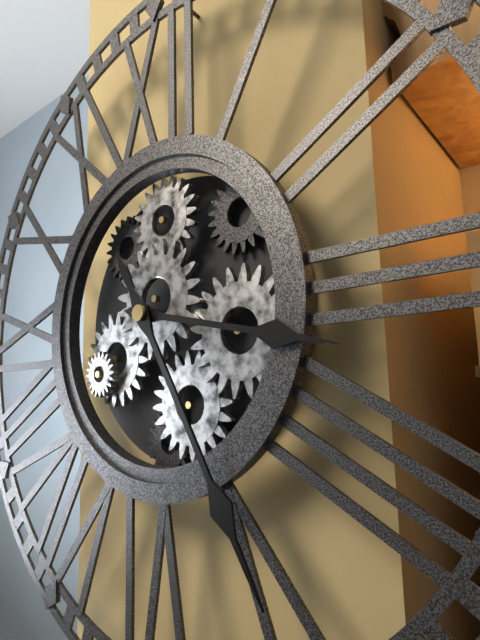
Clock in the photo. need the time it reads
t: 3:25
